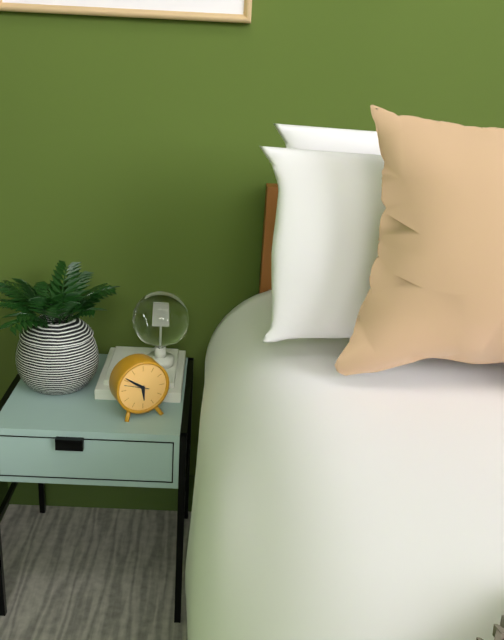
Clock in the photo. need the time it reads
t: 5:51
